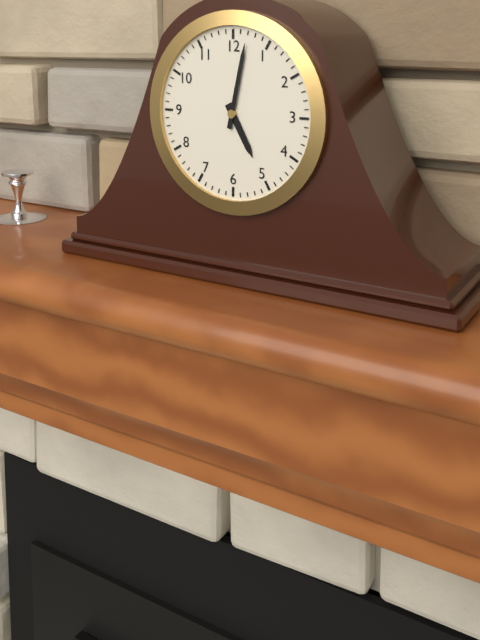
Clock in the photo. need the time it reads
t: 5:02
